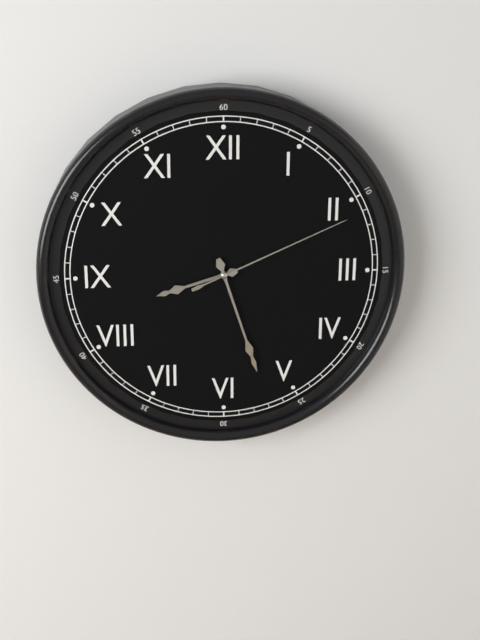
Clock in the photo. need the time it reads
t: 8:27:11
